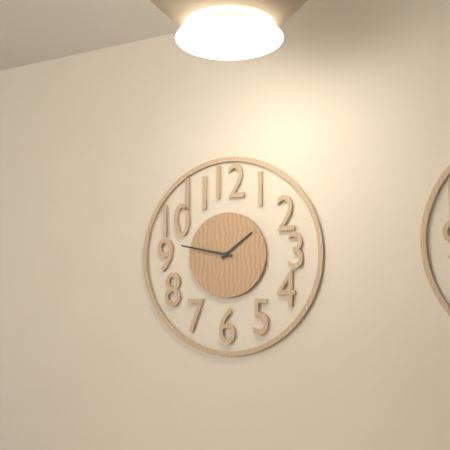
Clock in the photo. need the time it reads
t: 1:47
